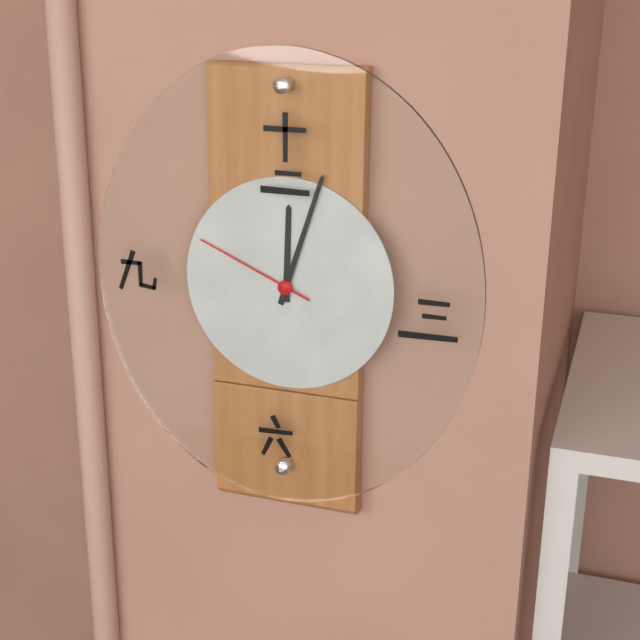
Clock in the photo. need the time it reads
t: 12:03:49
